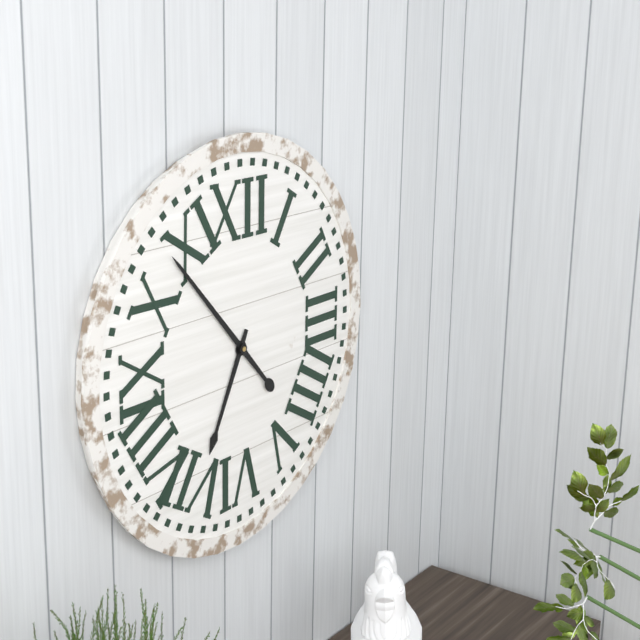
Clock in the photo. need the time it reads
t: 6:53
